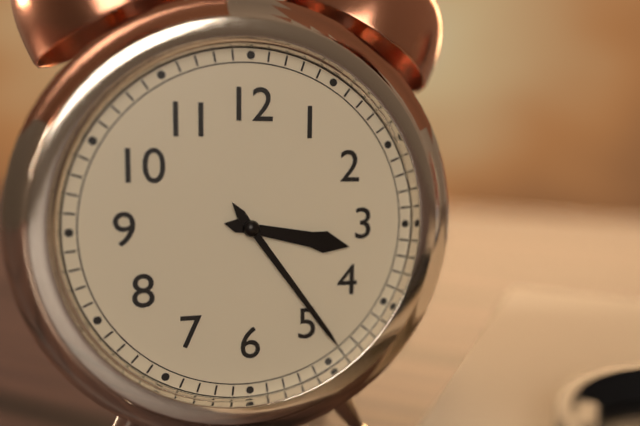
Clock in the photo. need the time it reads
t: 3:24
